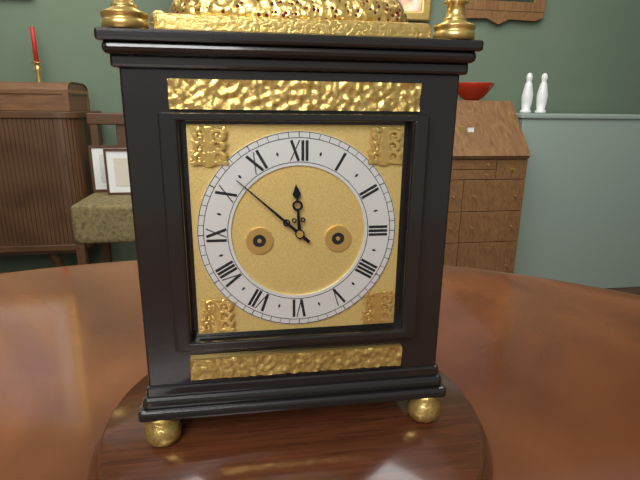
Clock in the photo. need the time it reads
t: 11:52
